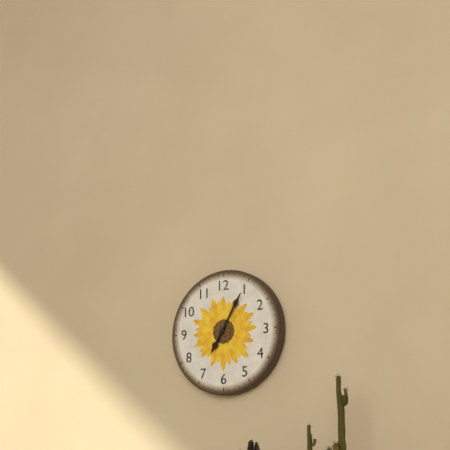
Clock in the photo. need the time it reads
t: 7:05
